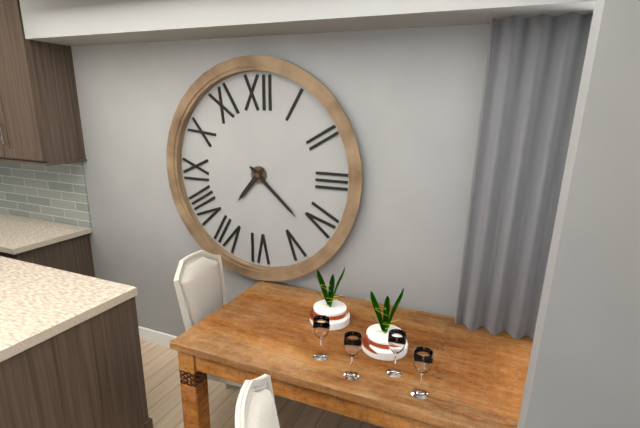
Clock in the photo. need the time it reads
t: 7:22
